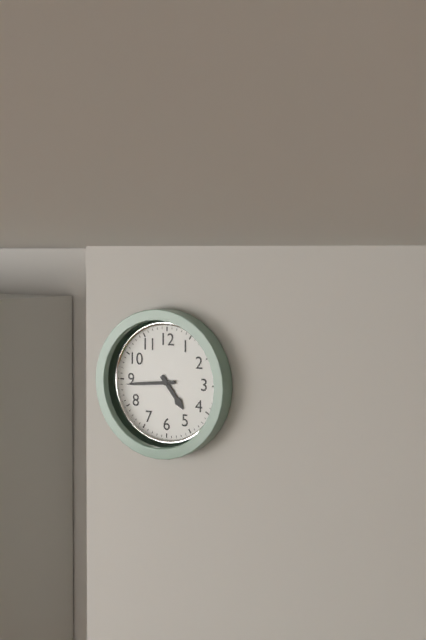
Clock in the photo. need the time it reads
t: 4:44
